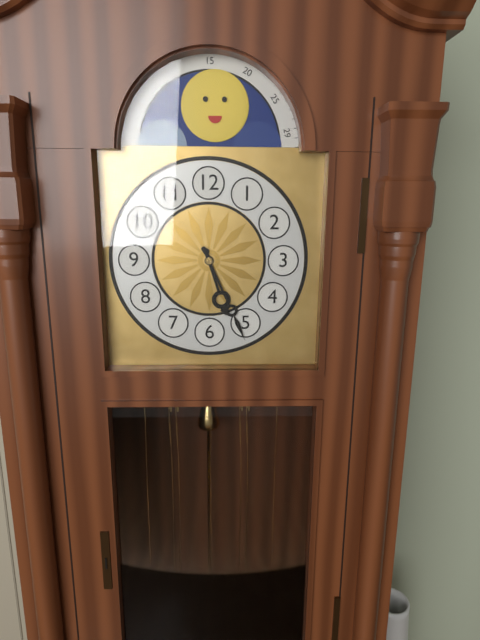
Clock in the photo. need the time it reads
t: 5:26
